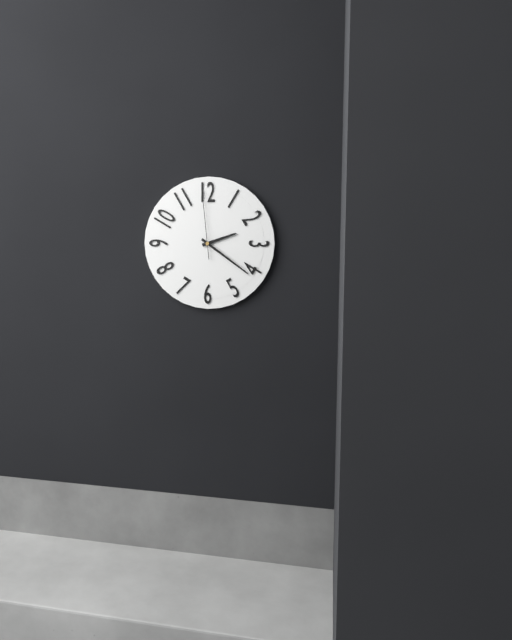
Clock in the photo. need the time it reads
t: 2:21:59
